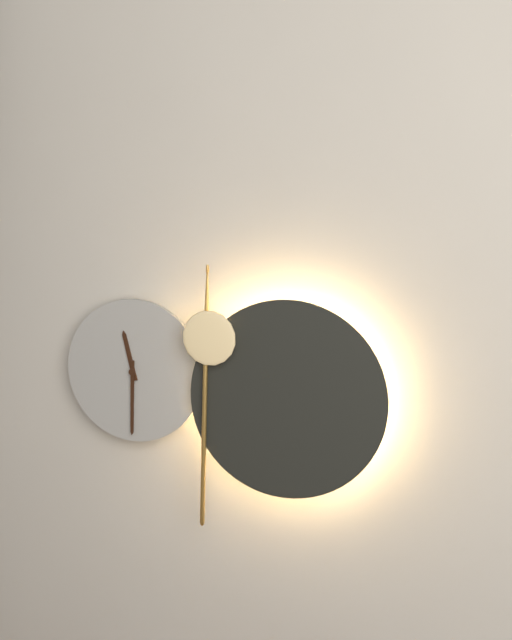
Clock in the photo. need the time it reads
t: 11:30
